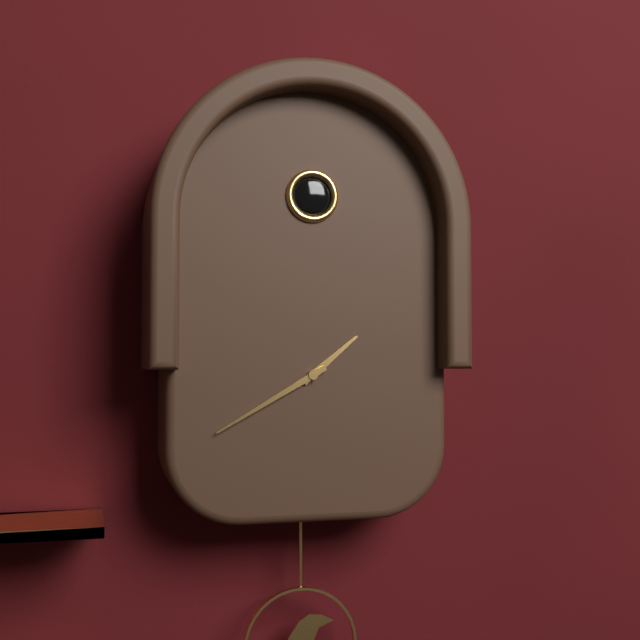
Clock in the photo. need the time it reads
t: 1:40
